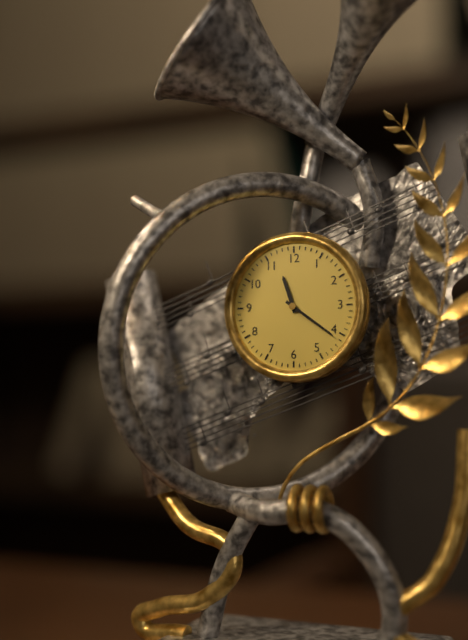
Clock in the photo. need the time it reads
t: 11:21
